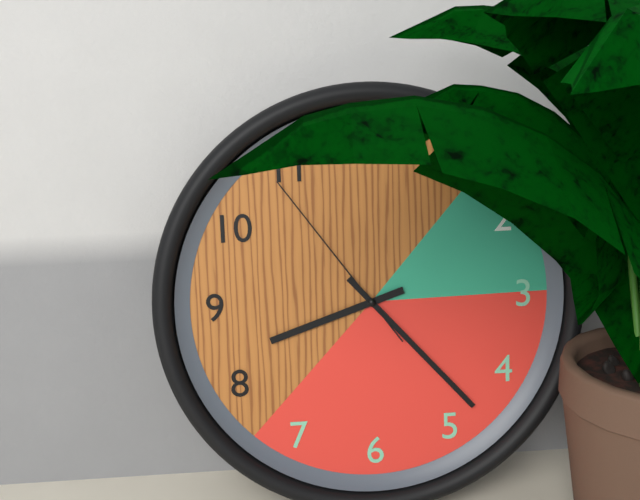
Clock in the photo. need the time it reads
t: 8:23:54
